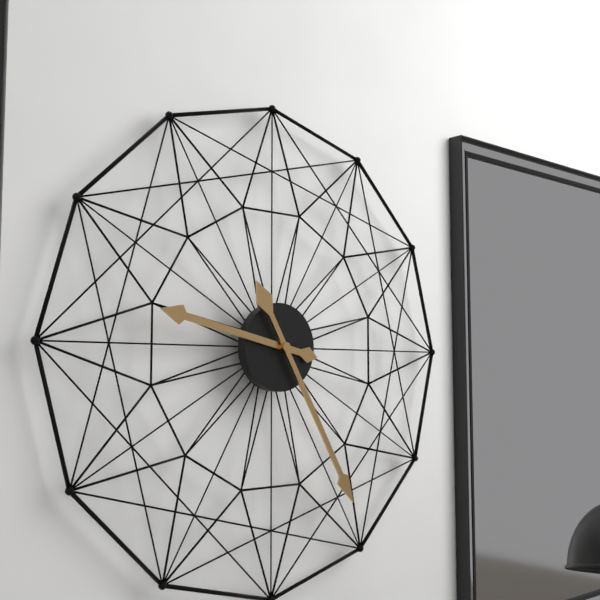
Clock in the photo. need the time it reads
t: 9:25
